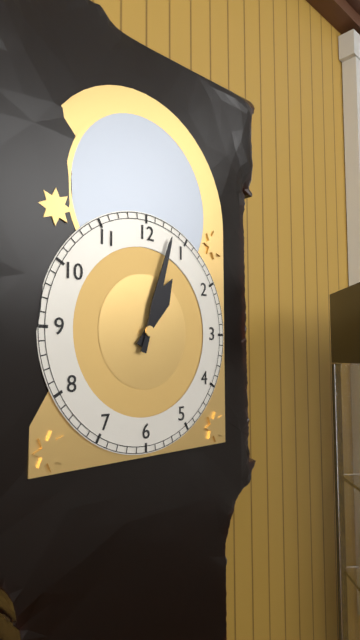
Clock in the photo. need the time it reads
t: 1:03
